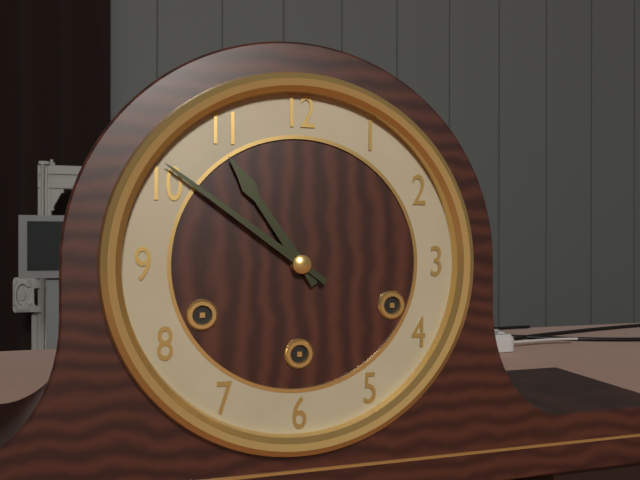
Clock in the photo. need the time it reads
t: 10:51
